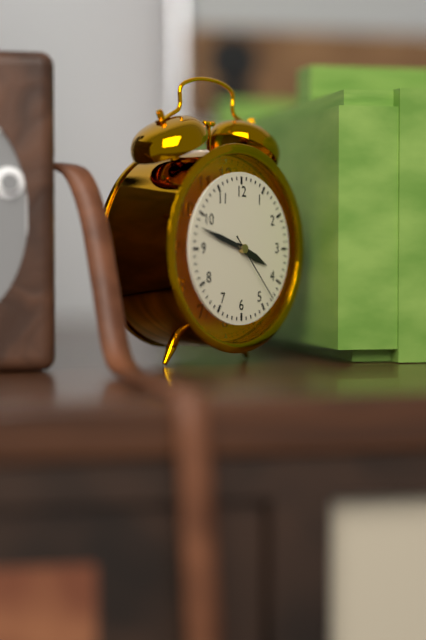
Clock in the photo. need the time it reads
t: 3:48:23
